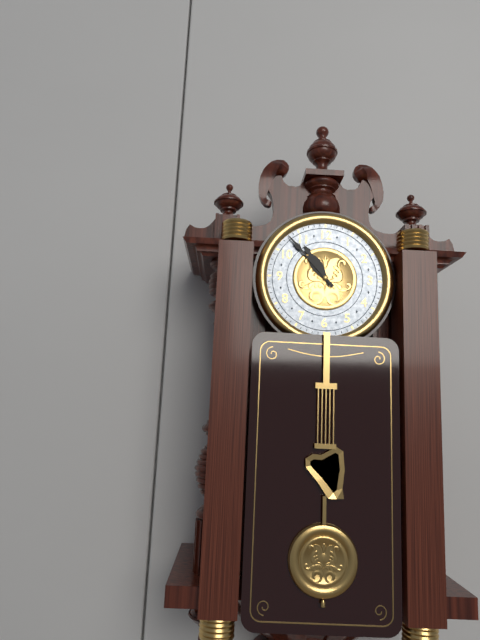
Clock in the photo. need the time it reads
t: 10:53
